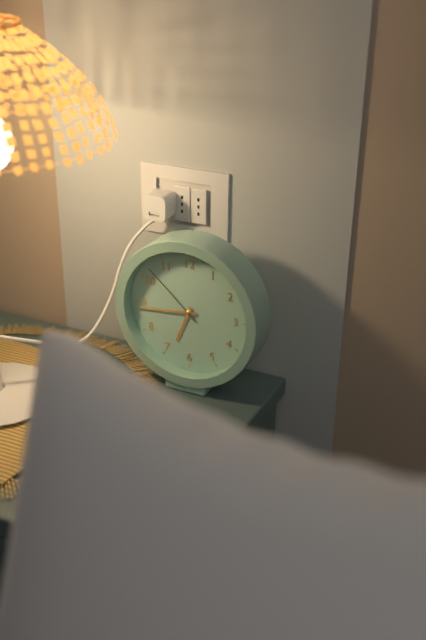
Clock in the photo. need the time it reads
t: 6:44:52
